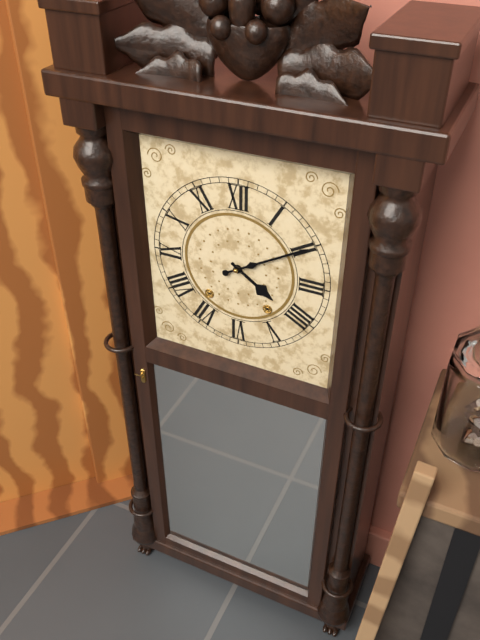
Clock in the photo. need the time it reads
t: 4:10
